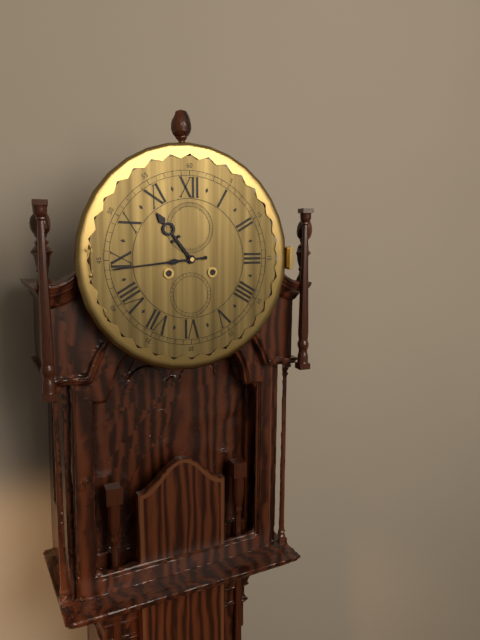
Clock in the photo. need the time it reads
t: 10:44
